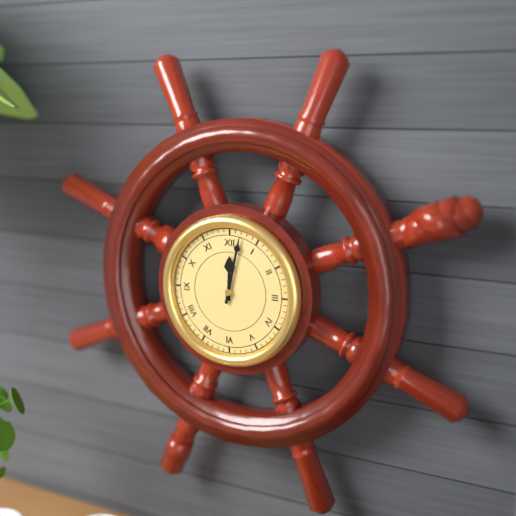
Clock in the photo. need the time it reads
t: 12:02
